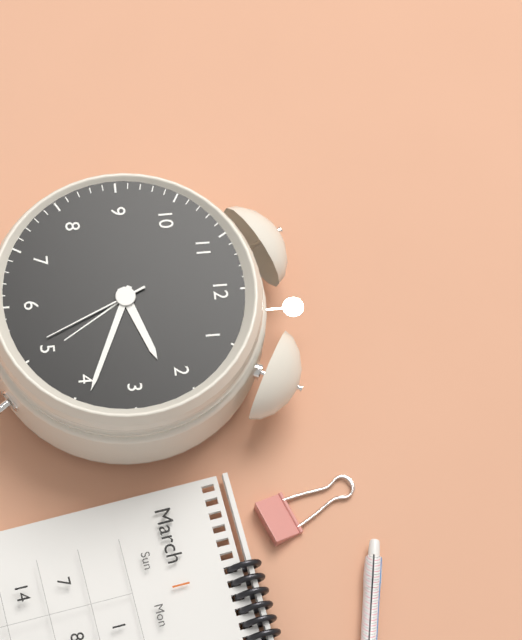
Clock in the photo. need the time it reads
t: 2:19:26
